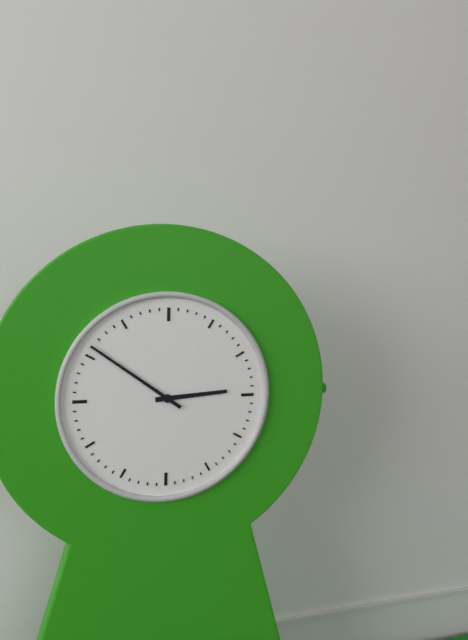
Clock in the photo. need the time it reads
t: 2:51
